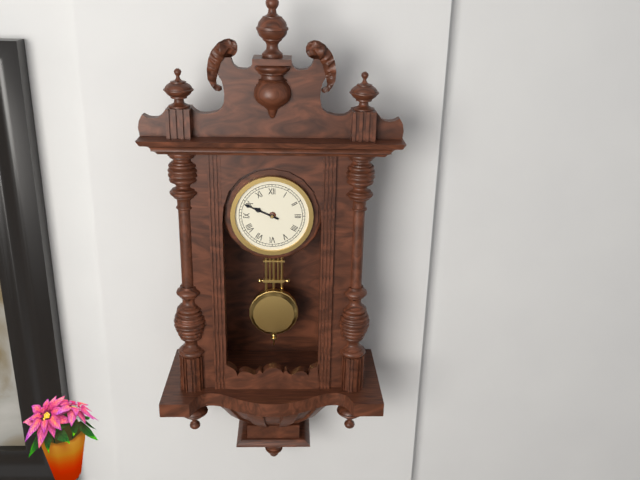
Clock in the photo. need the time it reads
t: 9:49
